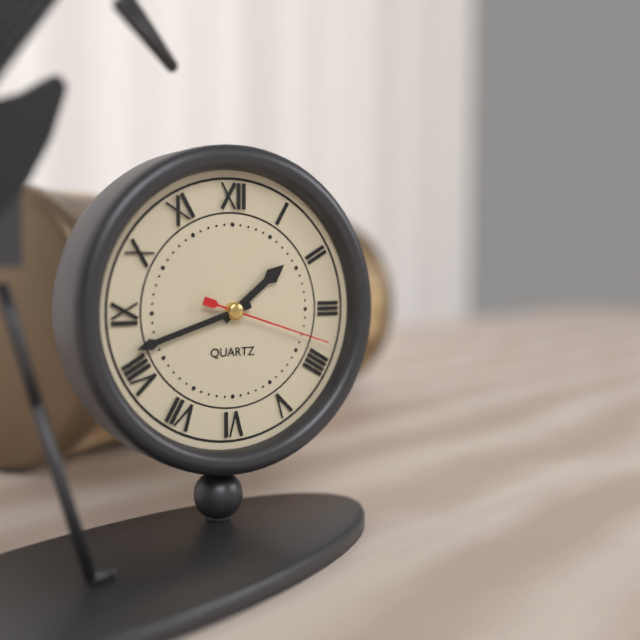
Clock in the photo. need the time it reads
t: 1:42:18
